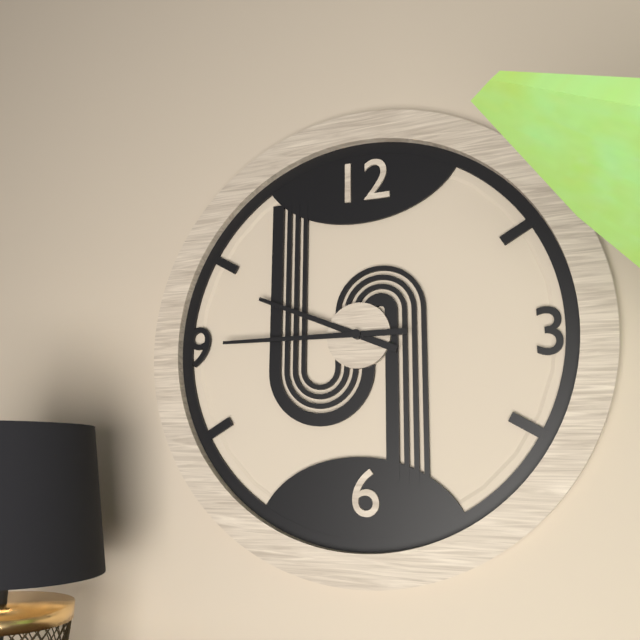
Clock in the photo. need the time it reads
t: 9:45
